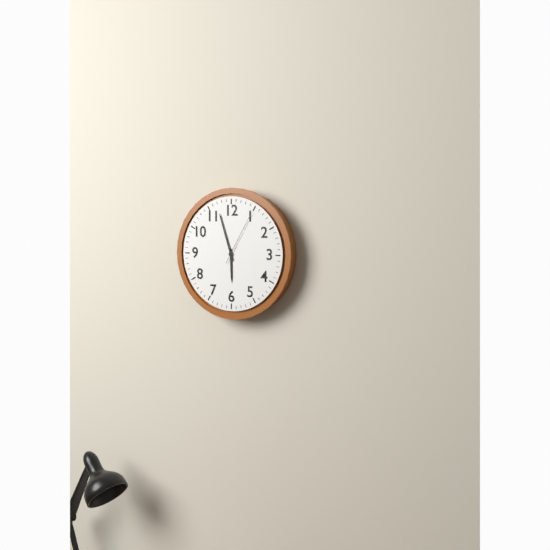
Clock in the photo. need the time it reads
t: 5:57:05
